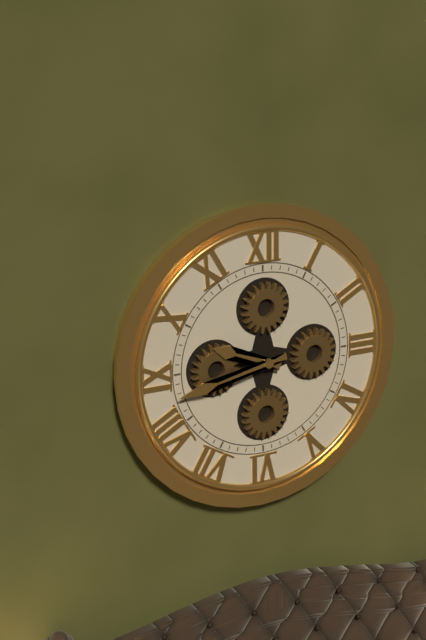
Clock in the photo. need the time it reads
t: 9:43
